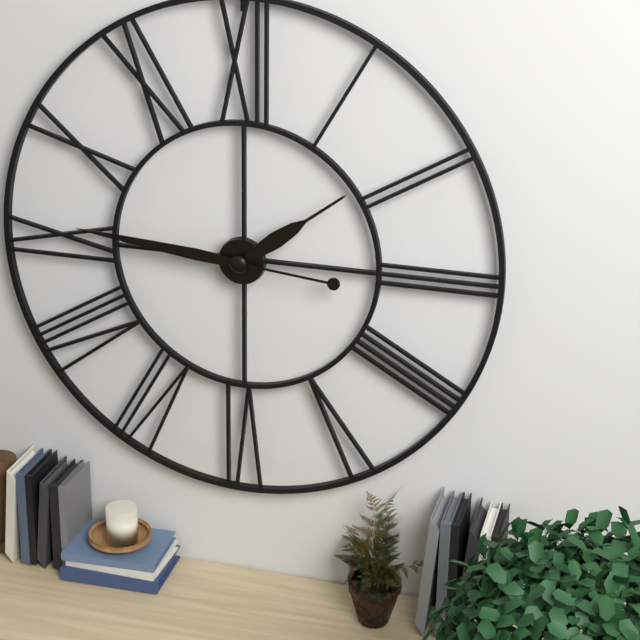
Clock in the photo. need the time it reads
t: 1:46
